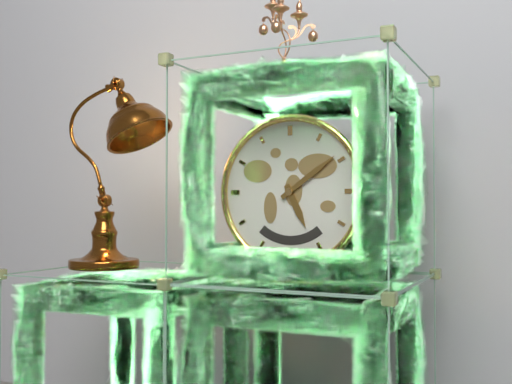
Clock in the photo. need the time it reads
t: 5:09
